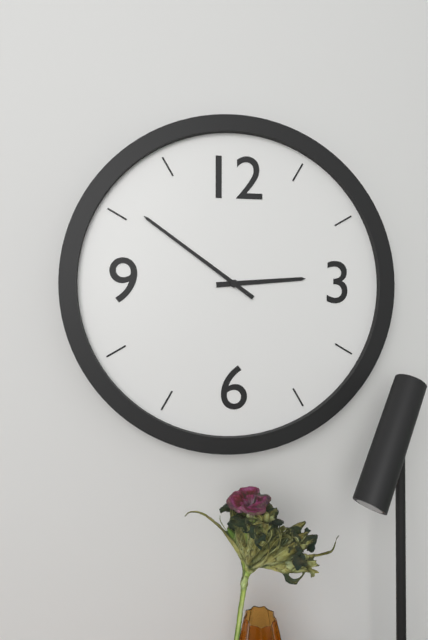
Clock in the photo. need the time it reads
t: 2:51
